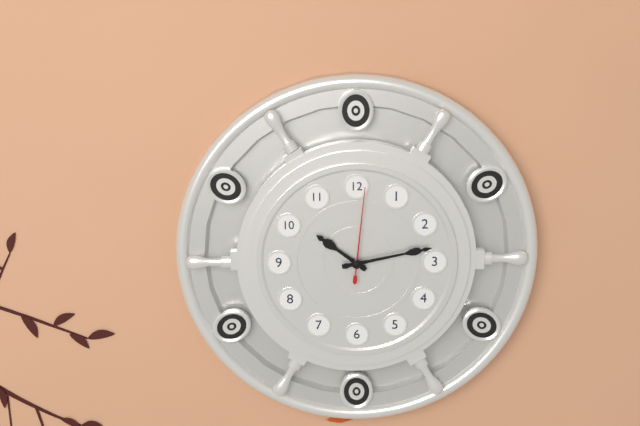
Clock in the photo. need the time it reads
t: 10:13:01
